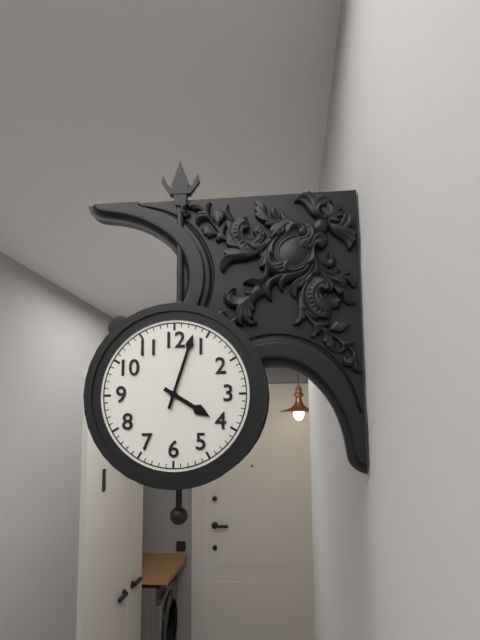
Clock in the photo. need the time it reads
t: 4:03
